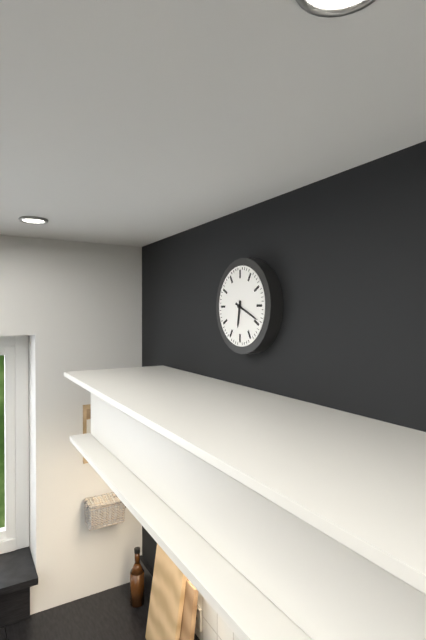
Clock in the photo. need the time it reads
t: 6:19
